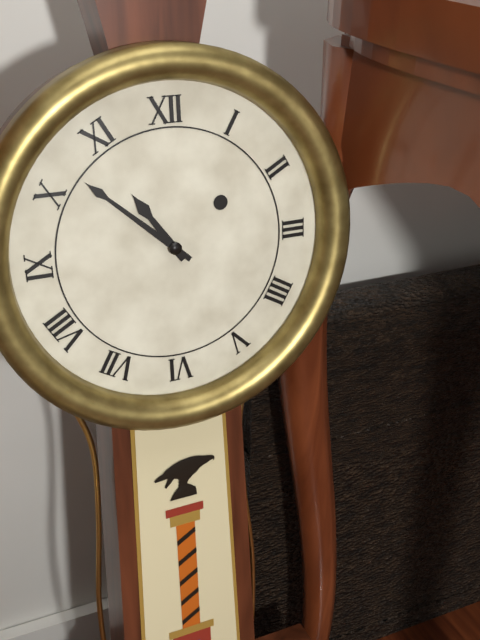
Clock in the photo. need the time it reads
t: 10:52
